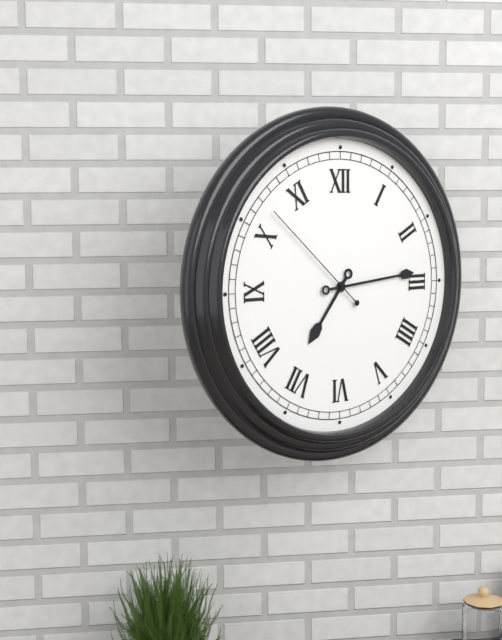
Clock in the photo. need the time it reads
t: 7:14:52
